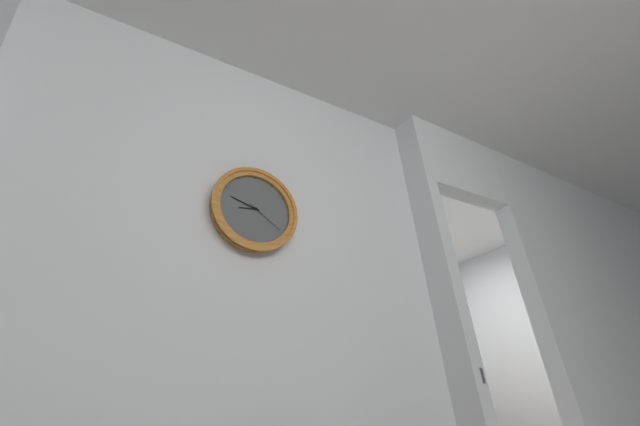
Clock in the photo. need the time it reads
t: 8:48
